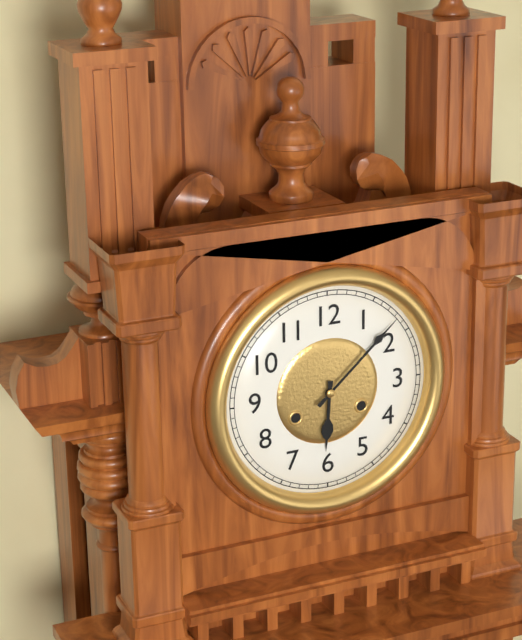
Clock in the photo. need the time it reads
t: 6:08
